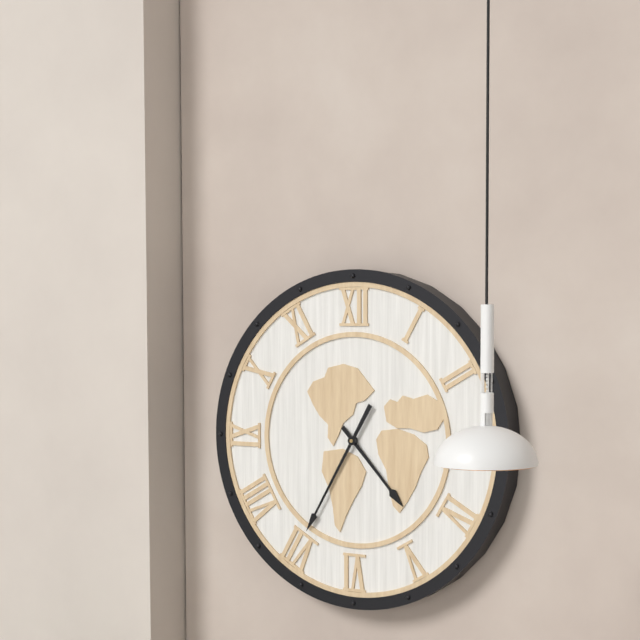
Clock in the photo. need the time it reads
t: 4:35
